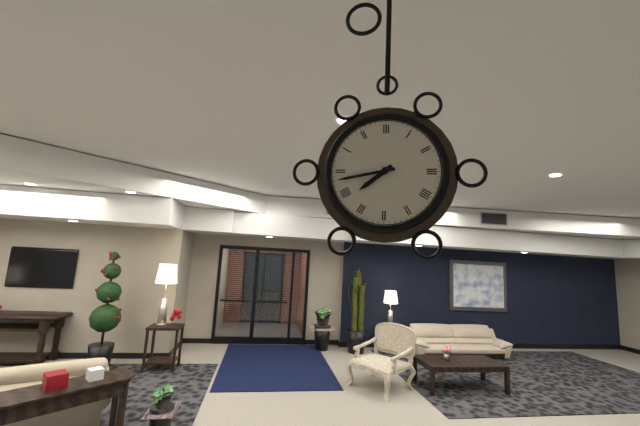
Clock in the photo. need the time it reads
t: 7:43
